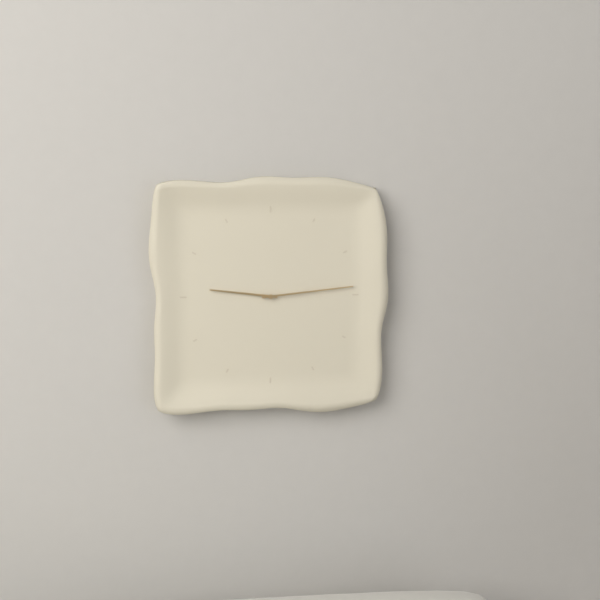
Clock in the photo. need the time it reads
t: 9:14
